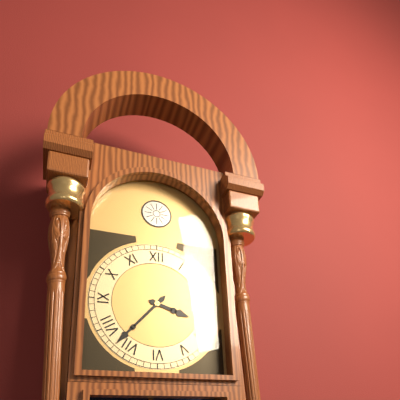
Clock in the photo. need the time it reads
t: 3:37
